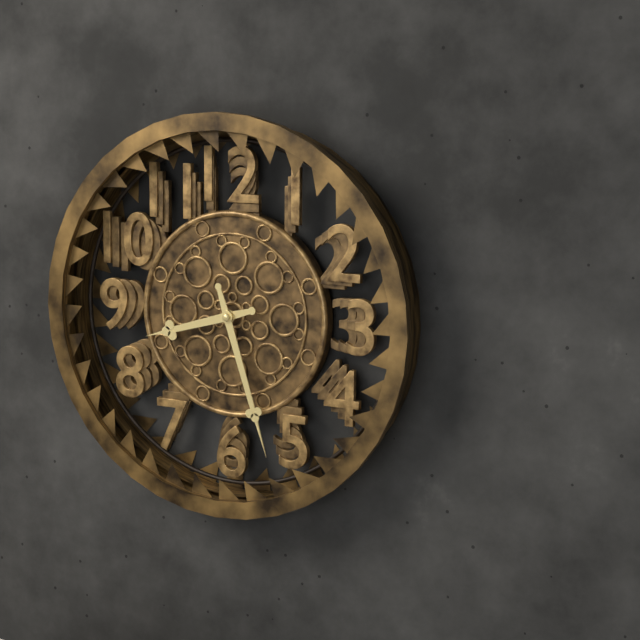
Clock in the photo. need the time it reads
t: 8:27
